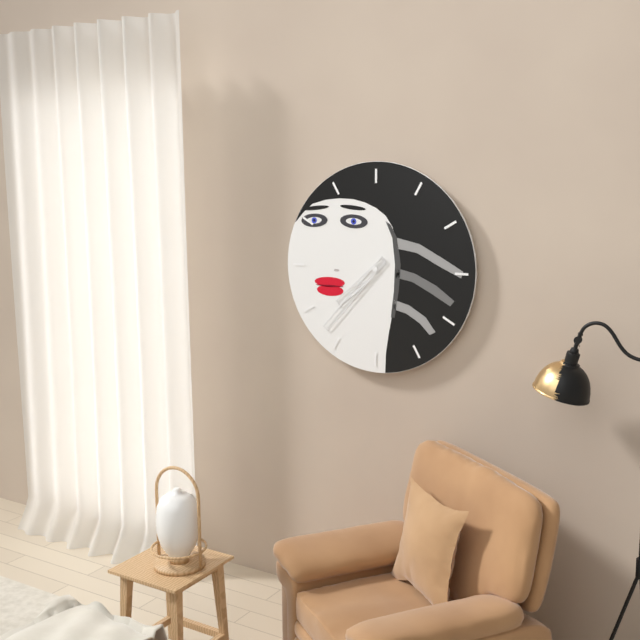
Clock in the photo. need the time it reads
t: 7:37
